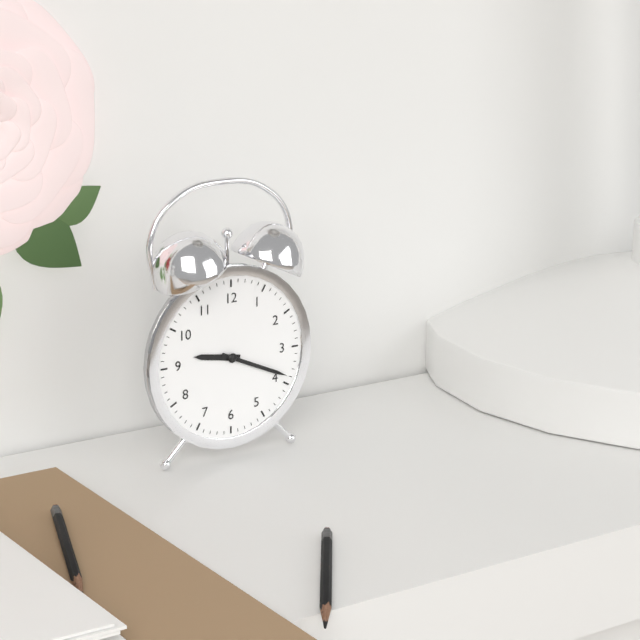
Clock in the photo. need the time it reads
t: 9:19
